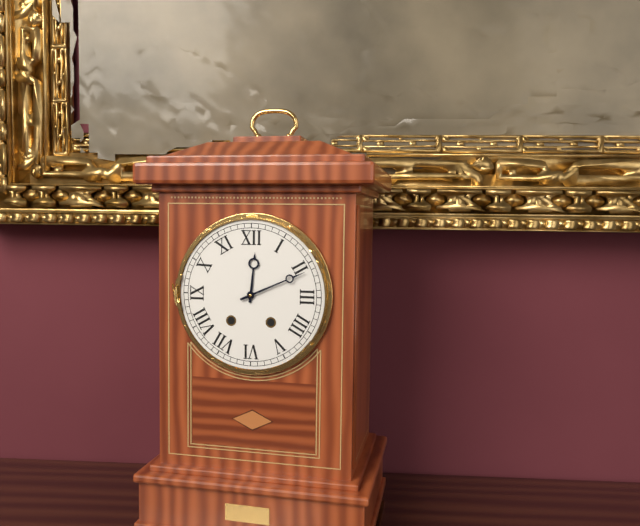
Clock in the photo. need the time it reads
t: 12:11
